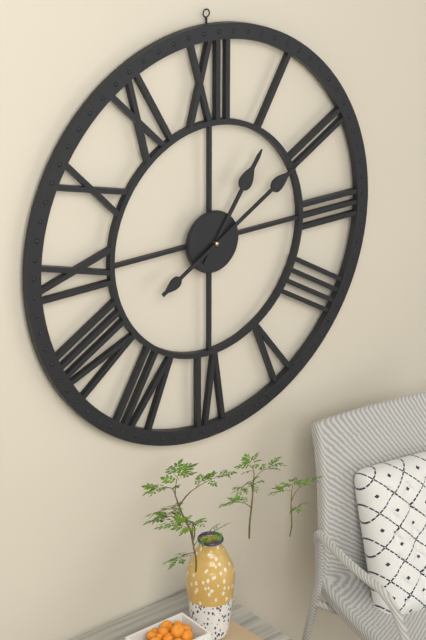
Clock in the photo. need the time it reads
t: 1:10
